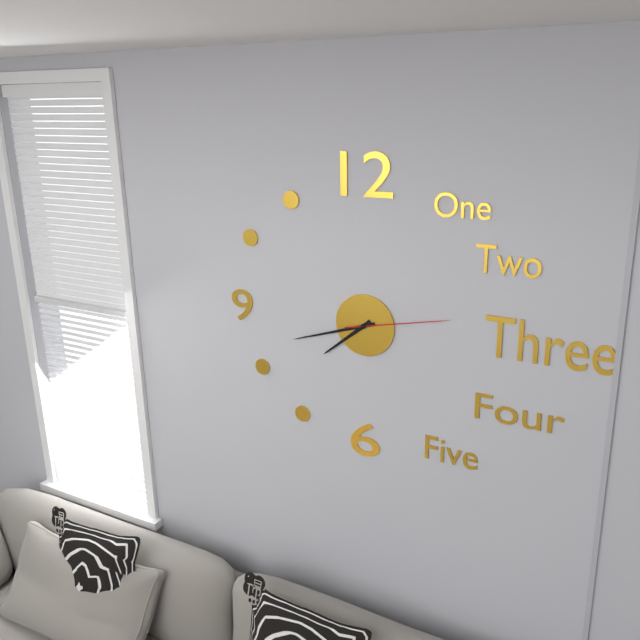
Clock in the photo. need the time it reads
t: 7:42:13
